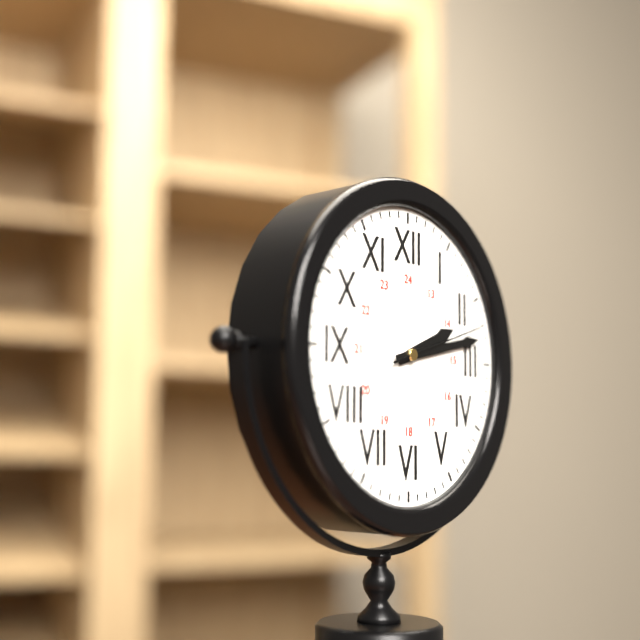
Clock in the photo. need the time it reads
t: 2:13:12
